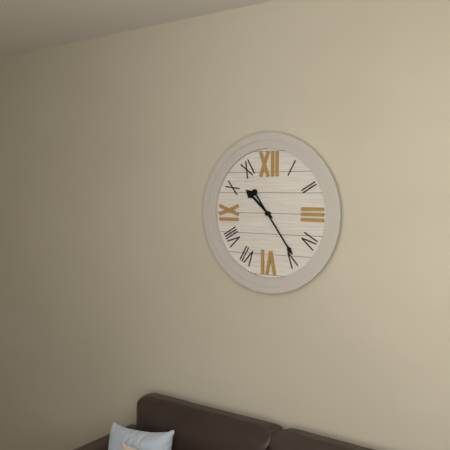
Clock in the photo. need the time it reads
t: 10:24
